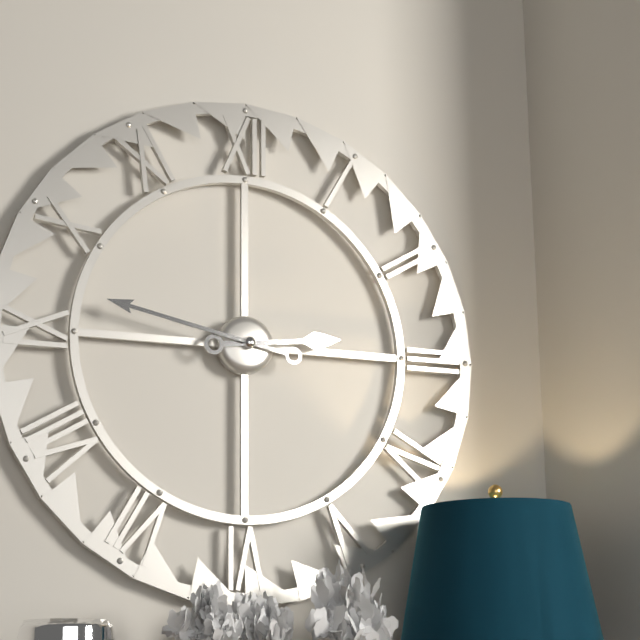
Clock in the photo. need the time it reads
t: 2:47
